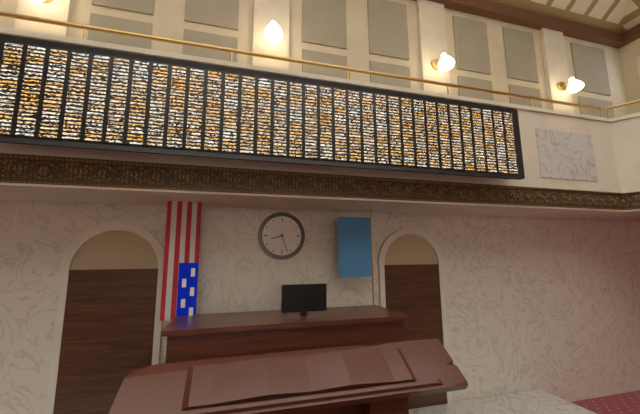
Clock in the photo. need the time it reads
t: 8:27
